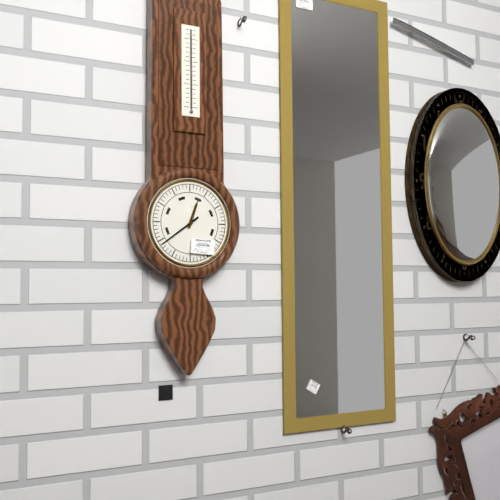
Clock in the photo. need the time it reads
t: 12:39
